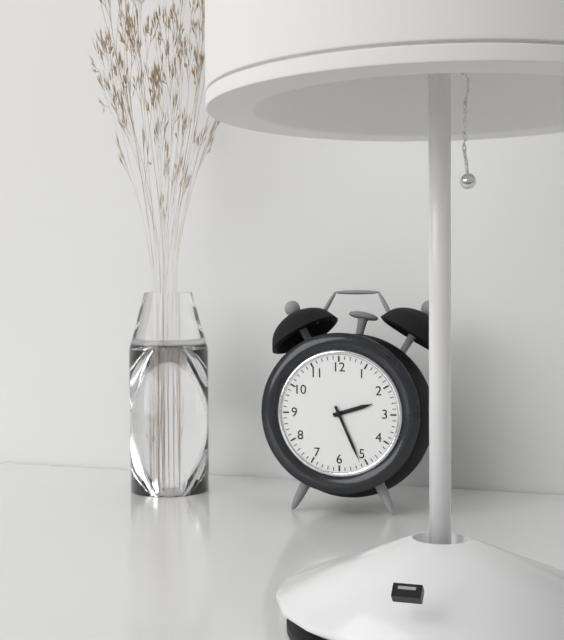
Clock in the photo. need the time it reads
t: 2:26
